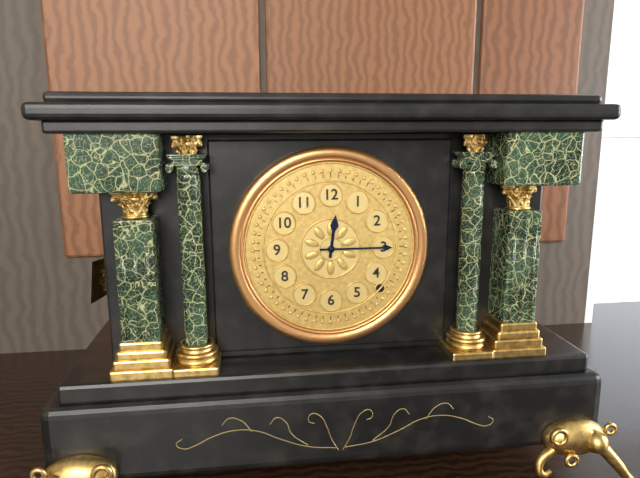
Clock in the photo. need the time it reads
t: 12:15
